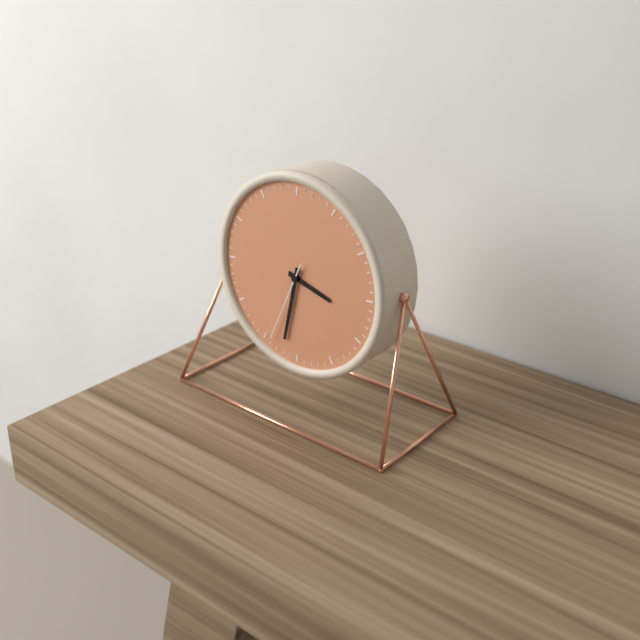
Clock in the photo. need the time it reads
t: 3:32:34
